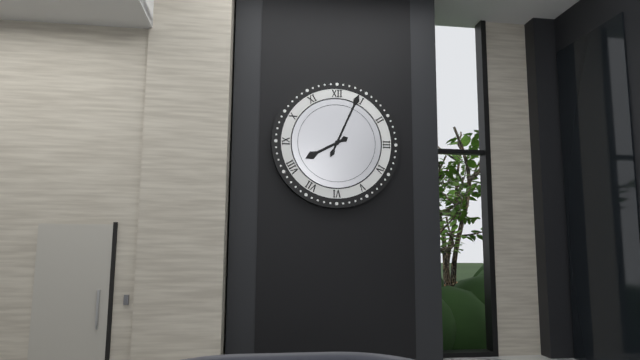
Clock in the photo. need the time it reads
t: 8:04
